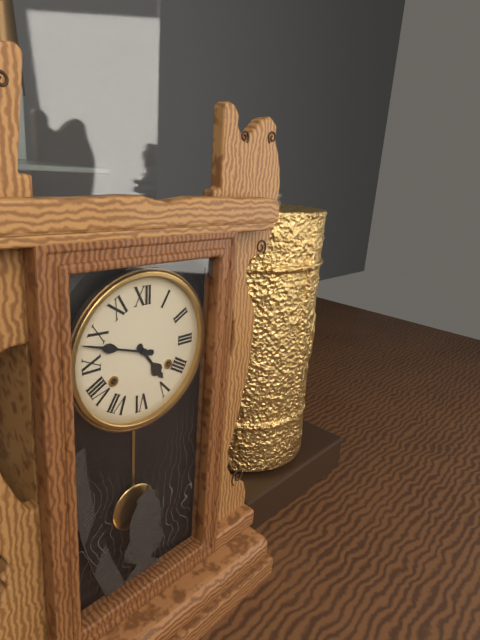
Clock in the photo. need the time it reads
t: 4:48
